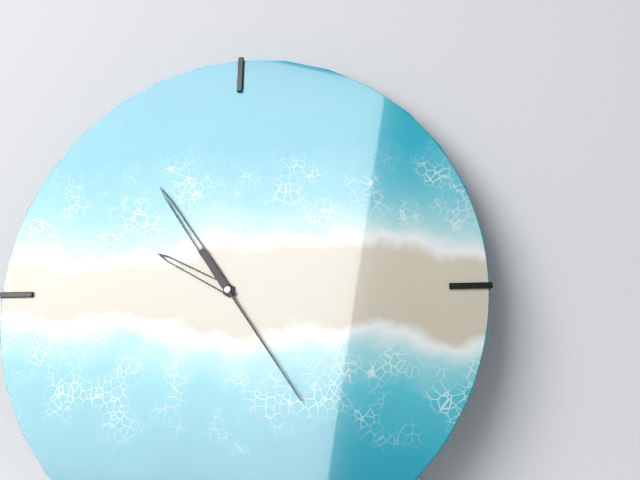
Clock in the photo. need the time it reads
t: 9:54:24
